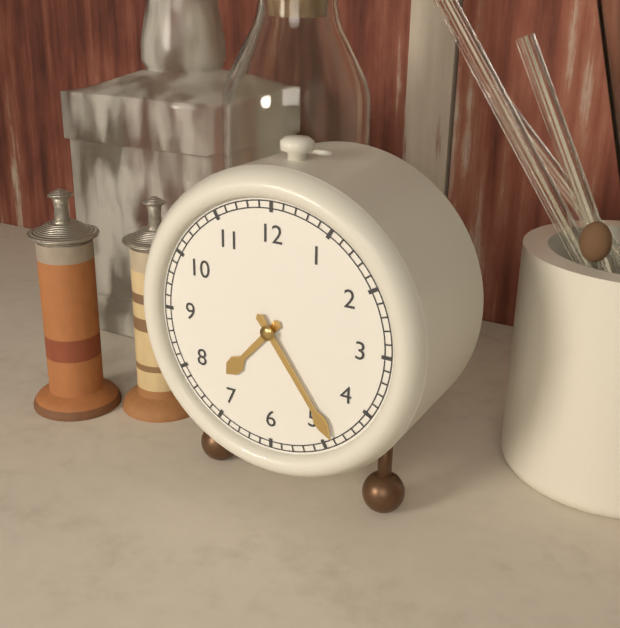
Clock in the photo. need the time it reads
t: 7:24
